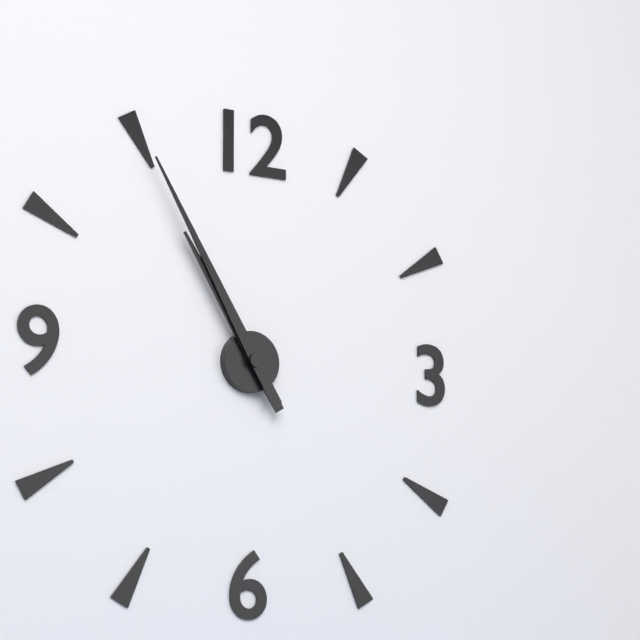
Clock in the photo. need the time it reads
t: 10:55
